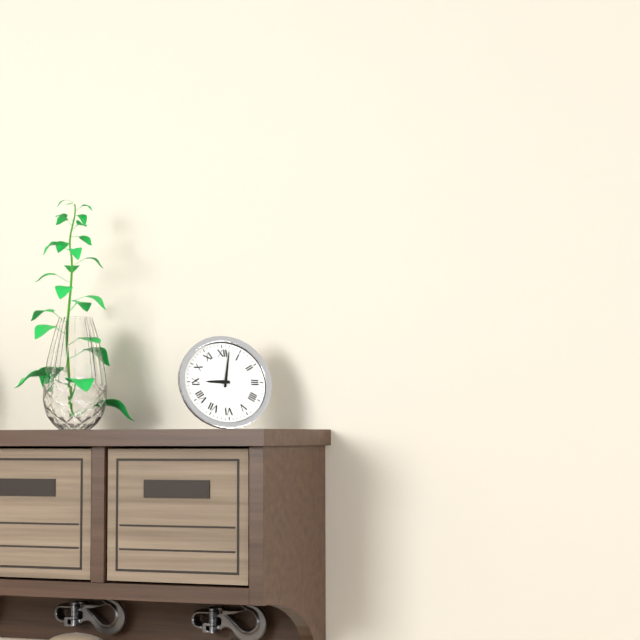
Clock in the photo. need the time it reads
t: 9:02
